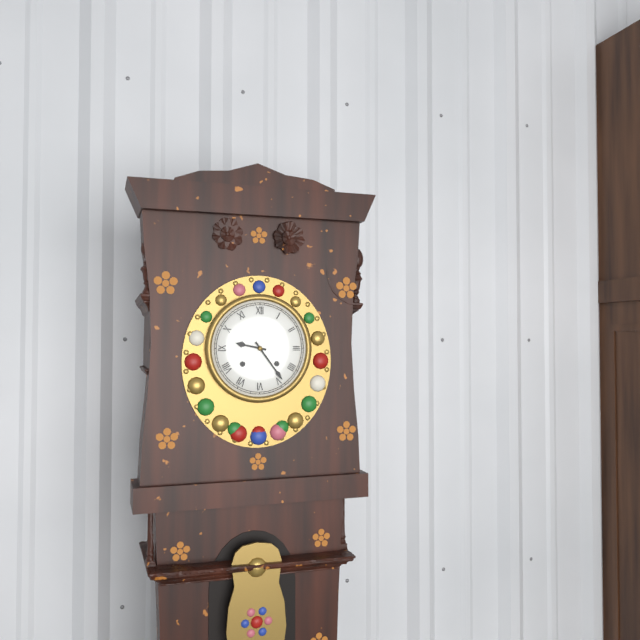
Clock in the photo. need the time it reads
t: 9:24
